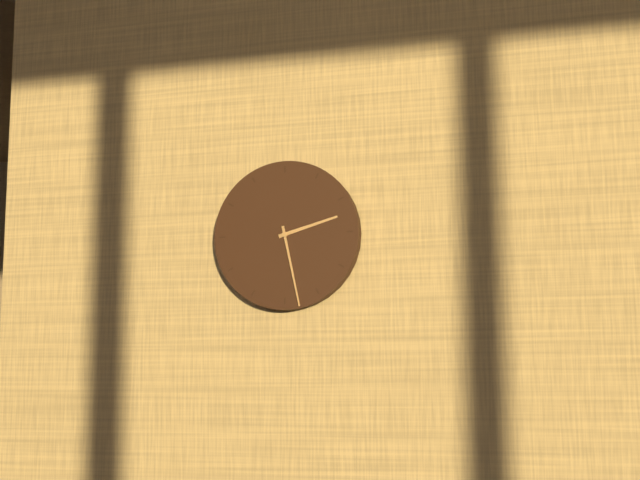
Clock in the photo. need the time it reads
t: 2:28
